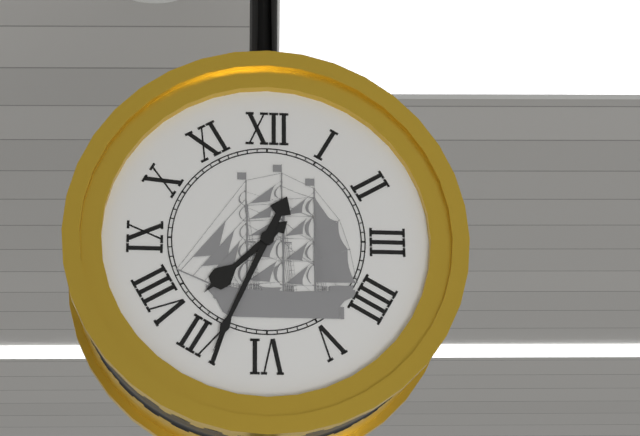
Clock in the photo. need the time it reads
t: 7:34
